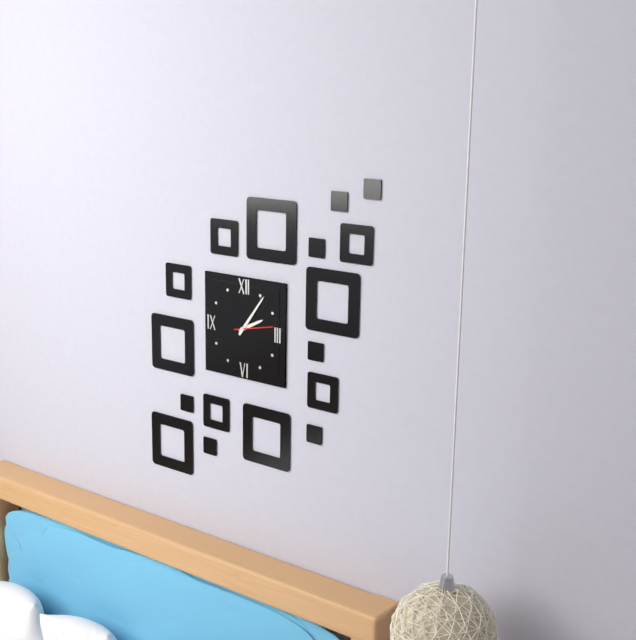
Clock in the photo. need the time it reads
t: 2:06
